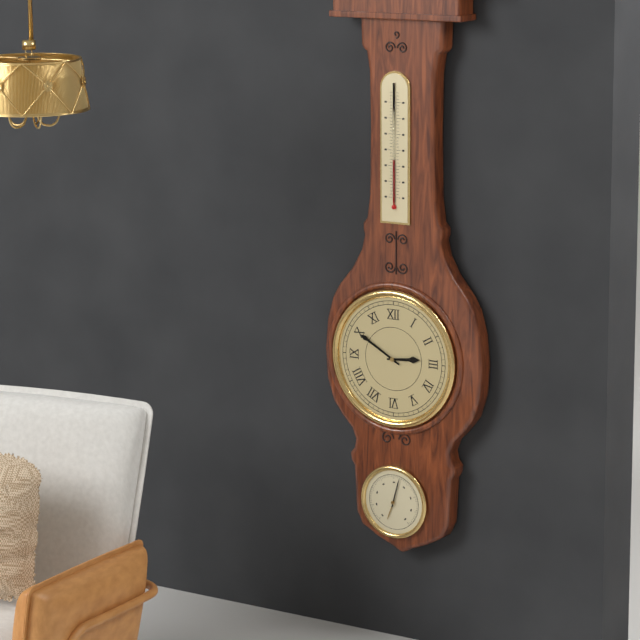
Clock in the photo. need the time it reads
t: 2:50
